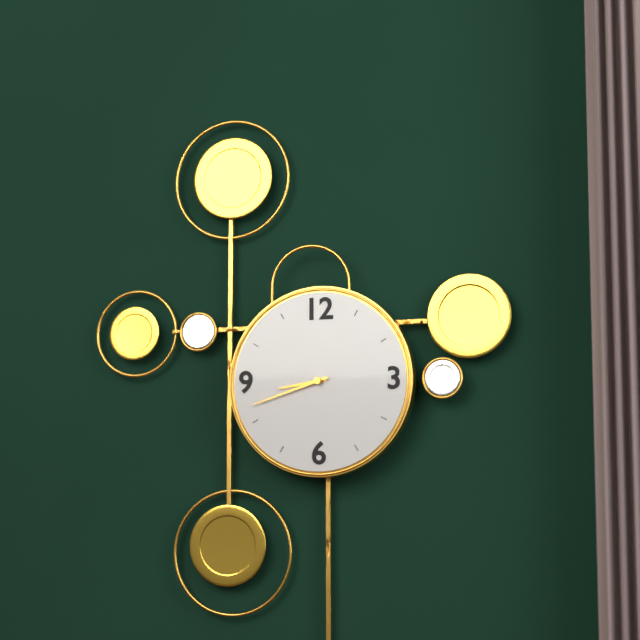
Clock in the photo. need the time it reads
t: 8:42
